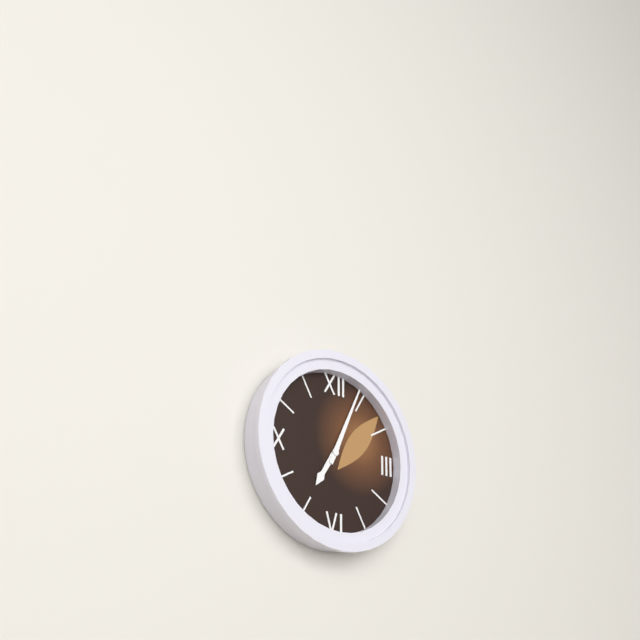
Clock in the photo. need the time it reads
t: 7:04
